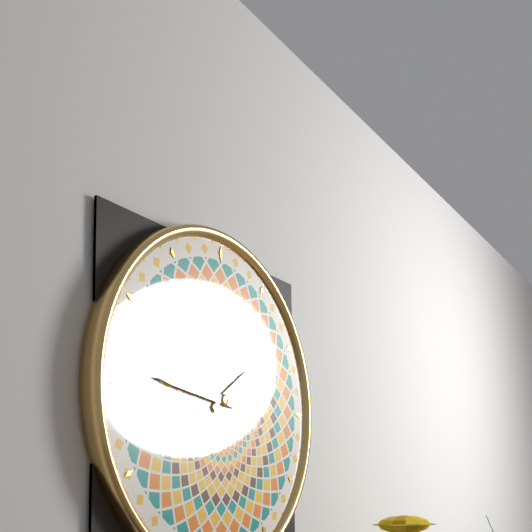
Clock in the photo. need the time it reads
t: 1:46
